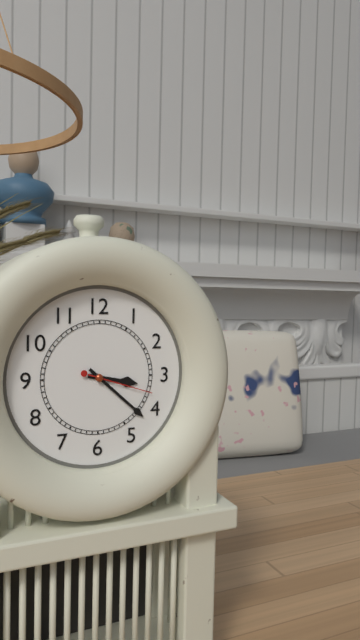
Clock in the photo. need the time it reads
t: 3:22:18
